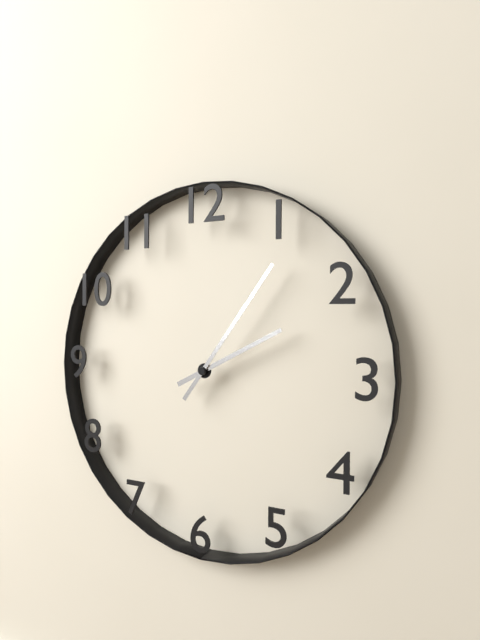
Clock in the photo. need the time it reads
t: 2:06
